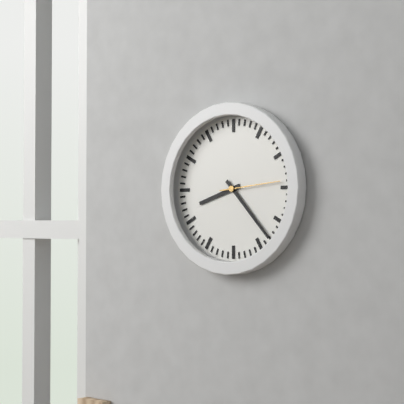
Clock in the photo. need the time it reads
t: 8:23:14
